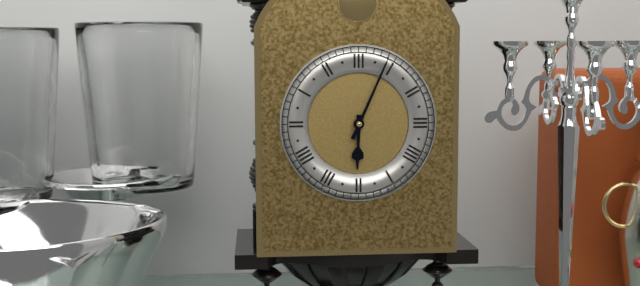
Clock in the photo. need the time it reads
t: 6:04
